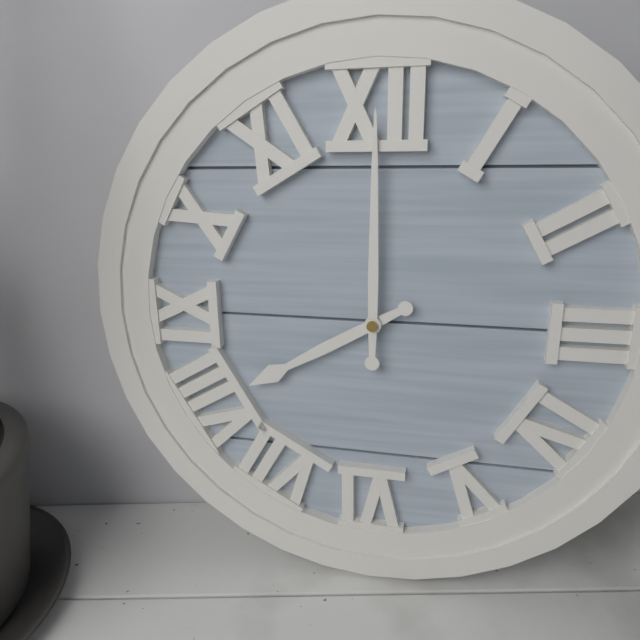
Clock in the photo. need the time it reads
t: 8:00
